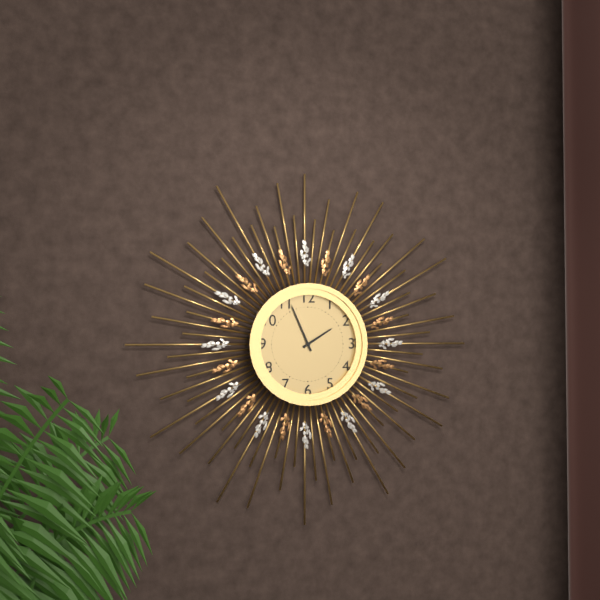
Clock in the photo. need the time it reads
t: 1:56
